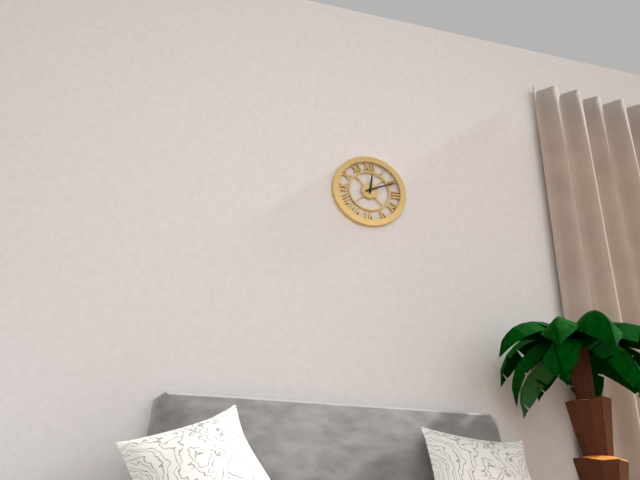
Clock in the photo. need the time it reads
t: 12:11
